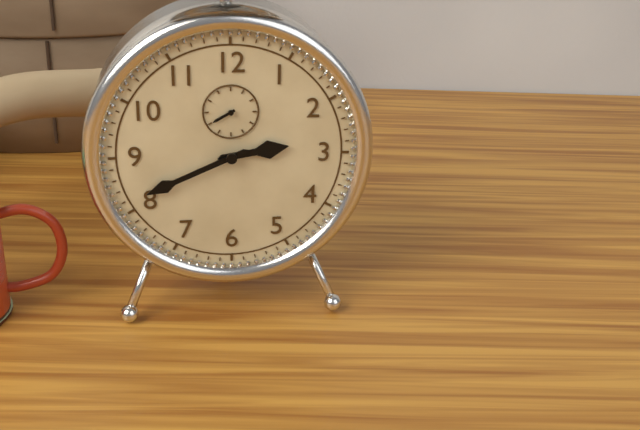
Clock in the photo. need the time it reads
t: 2:41
